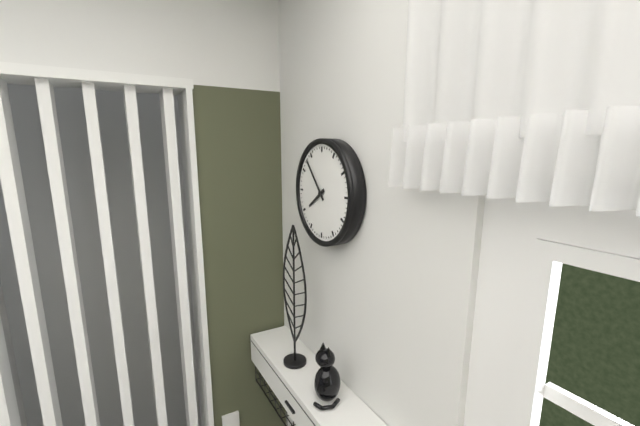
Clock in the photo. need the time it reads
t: 7:53
